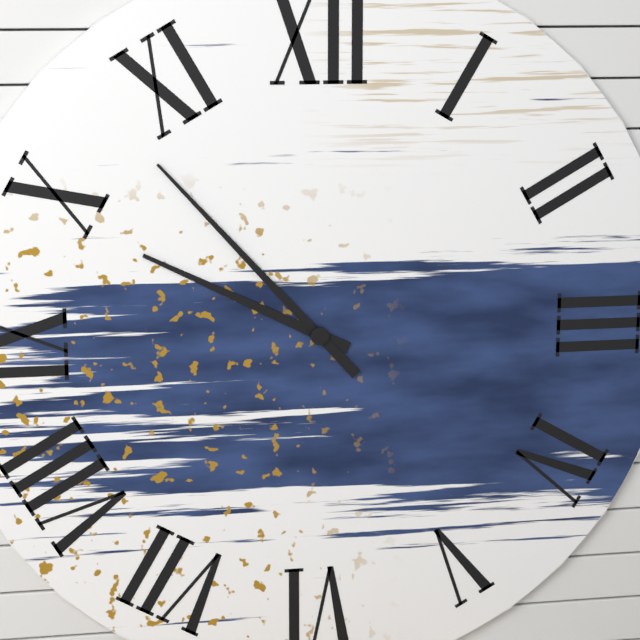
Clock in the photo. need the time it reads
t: 9:53
